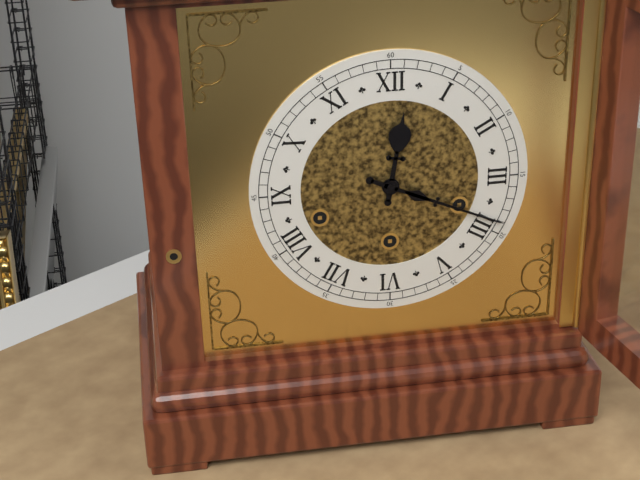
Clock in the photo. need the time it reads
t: 12:19
